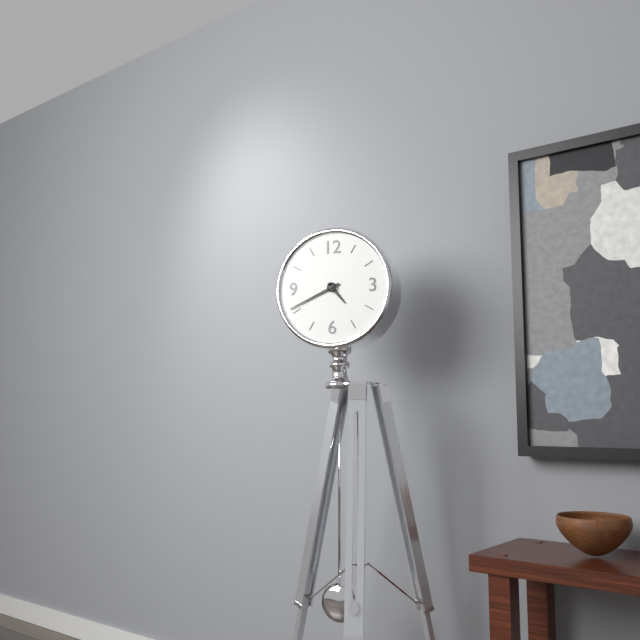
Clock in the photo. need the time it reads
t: 4:41
